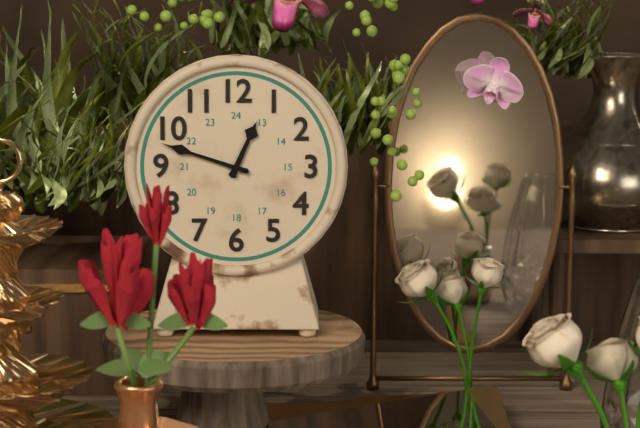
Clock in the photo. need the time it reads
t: 12:48
